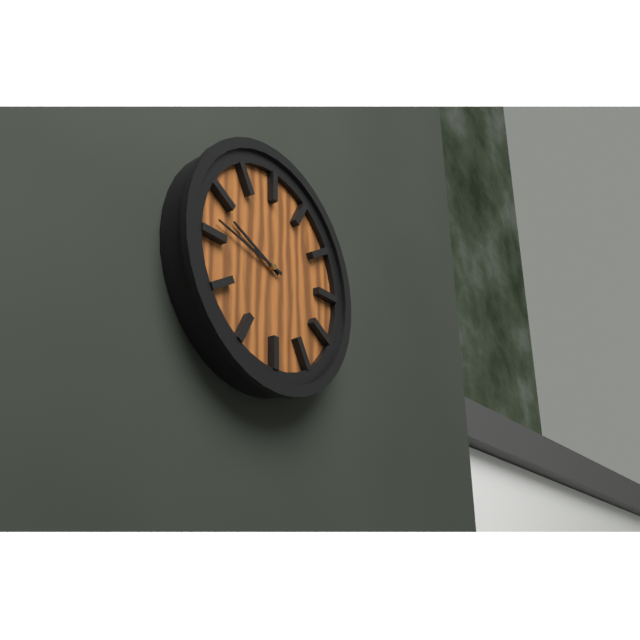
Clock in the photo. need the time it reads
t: 9:47
